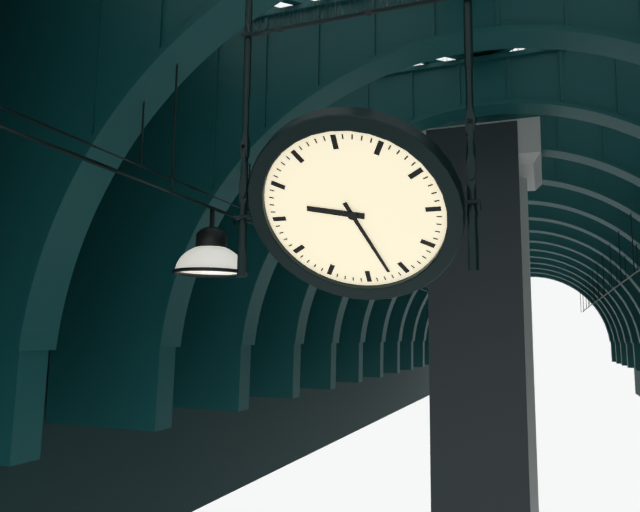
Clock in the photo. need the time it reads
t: 9:27
